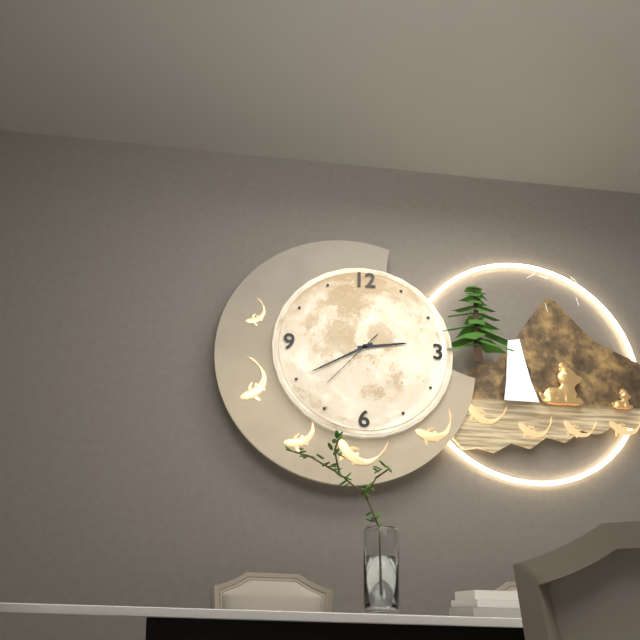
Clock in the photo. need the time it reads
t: 2:40:37
